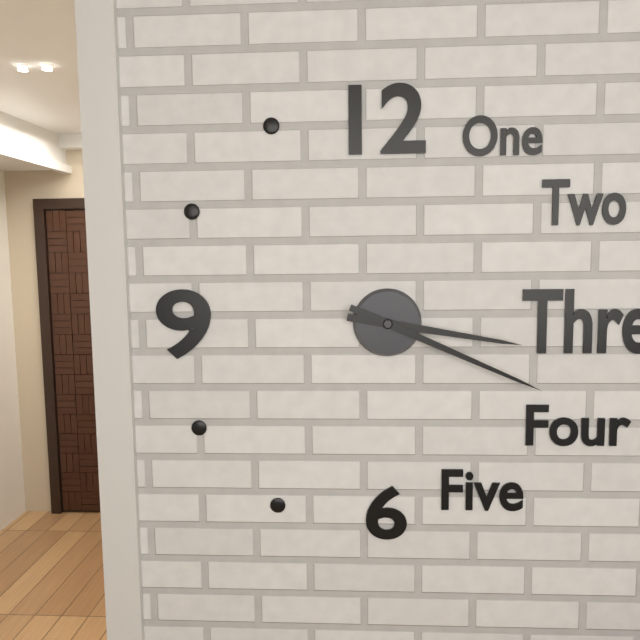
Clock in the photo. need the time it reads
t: 3:19
